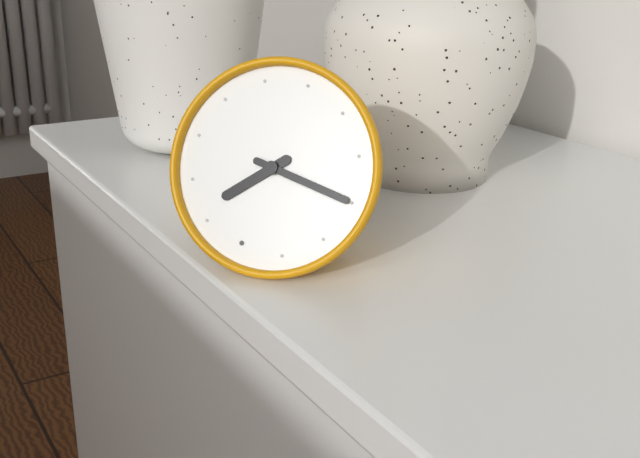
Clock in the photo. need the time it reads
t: 7:15
